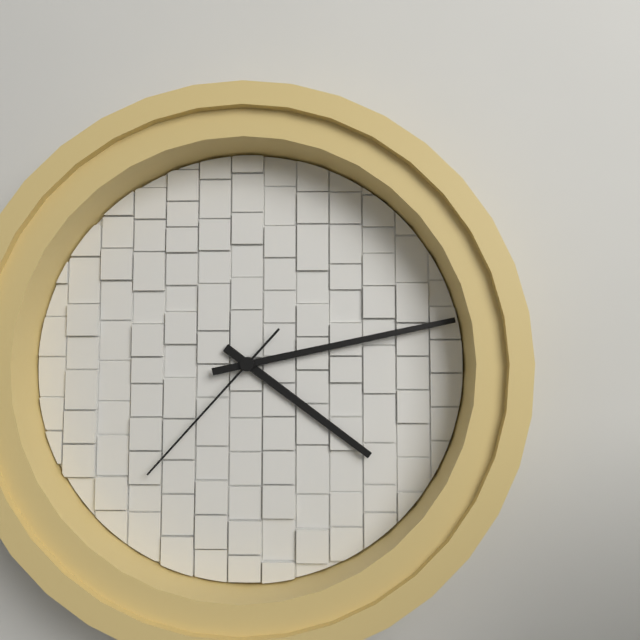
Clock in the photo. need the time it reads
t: 4:13:37
